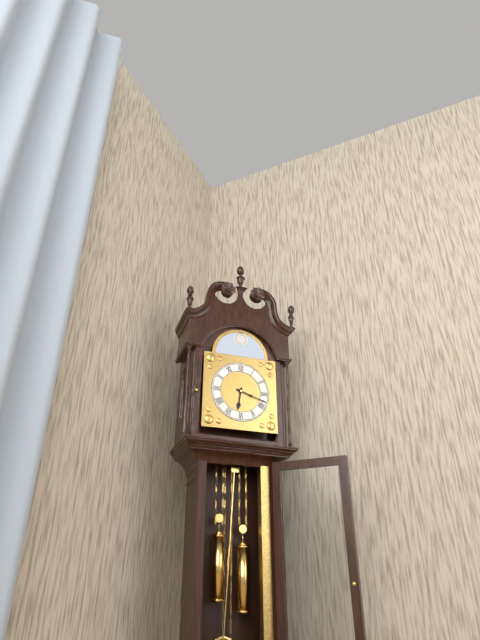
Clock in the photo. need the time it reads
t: 6:18
